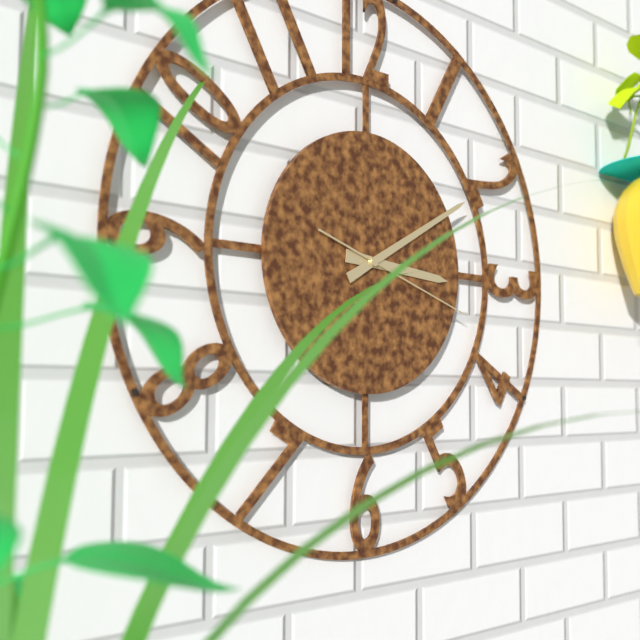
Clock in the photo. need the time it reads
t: 3:10:18
